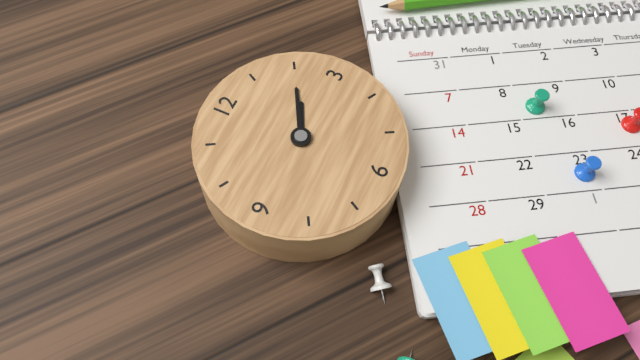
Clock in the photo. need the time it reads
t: 2:10
